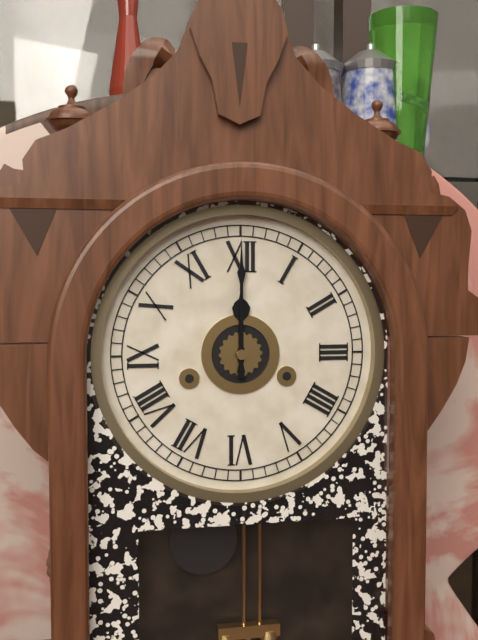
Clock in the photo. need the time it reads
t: 12:00
